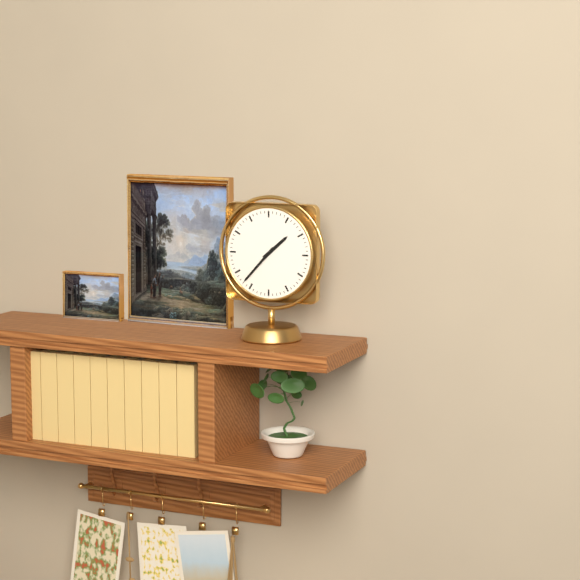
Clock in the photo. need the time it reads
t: 1:37
